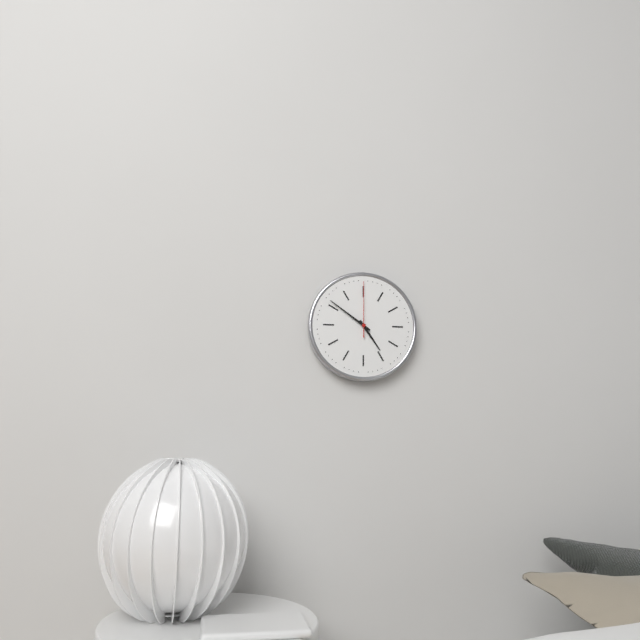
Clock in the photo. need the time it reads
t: 4:51:00
